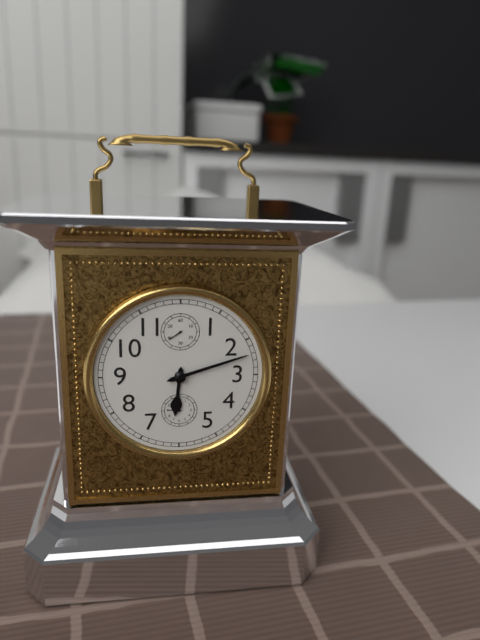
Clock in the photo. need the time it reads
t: 6:12
